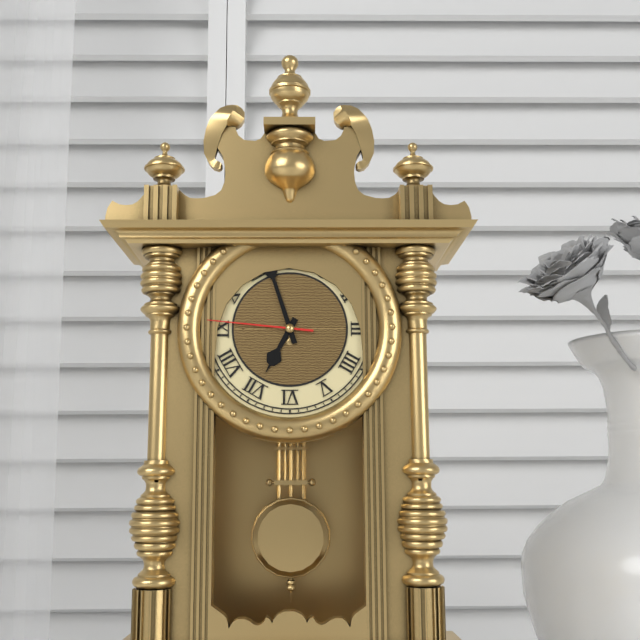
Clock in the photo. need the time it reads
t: 6:57:46
